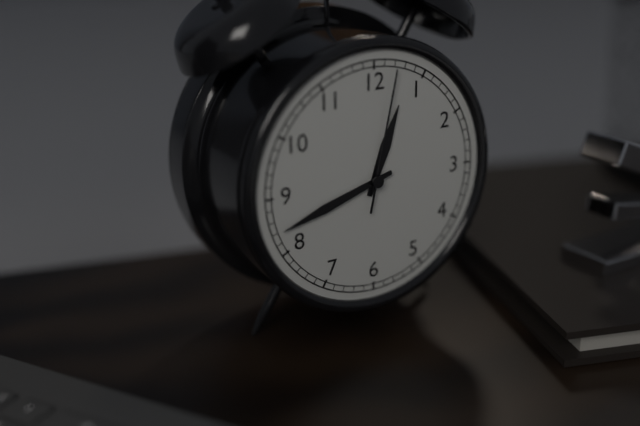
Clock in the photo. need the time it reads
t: 12:42:02
